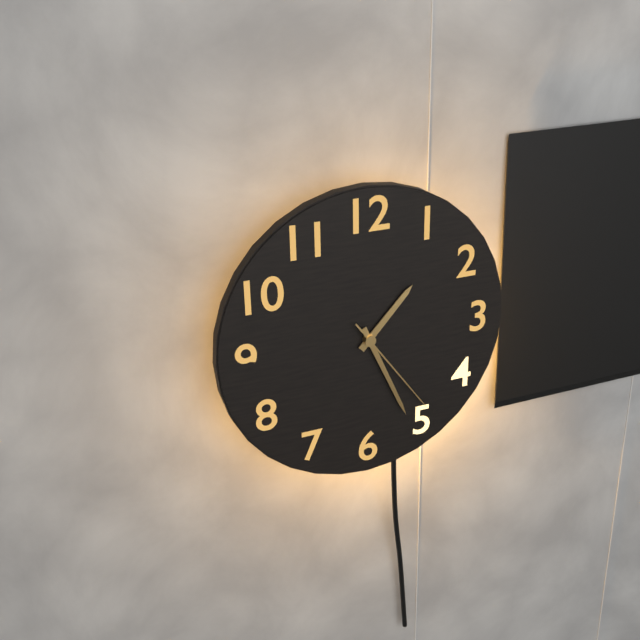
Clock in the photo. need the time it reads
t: 1:26:24
